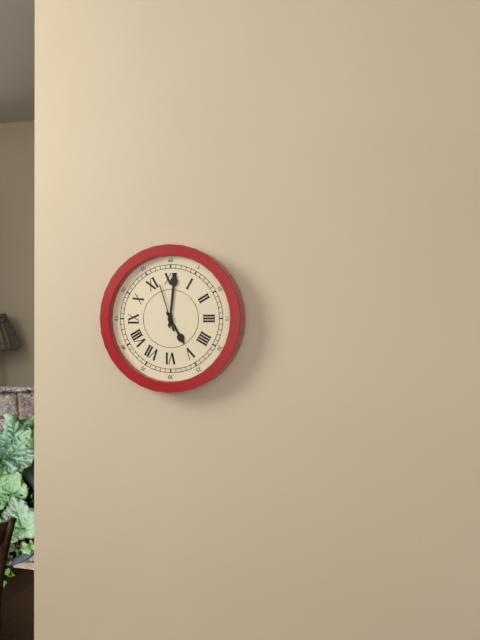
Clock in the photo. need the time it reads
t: 5:01
